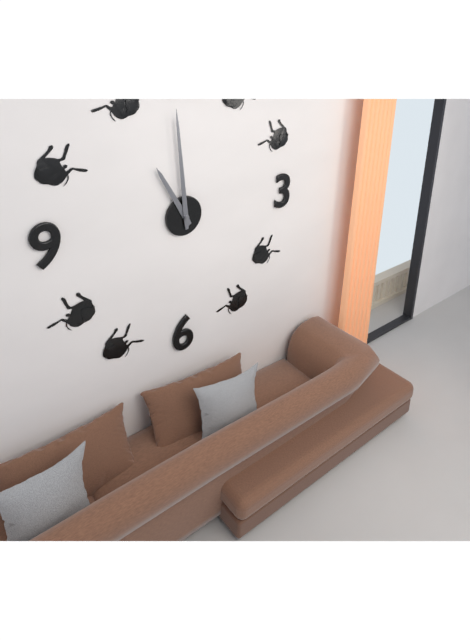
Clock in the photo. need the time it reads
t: 10:59
